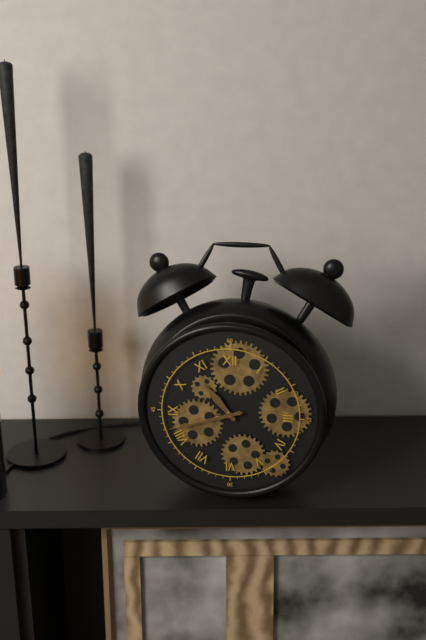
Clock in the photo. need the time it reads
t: 10:42
